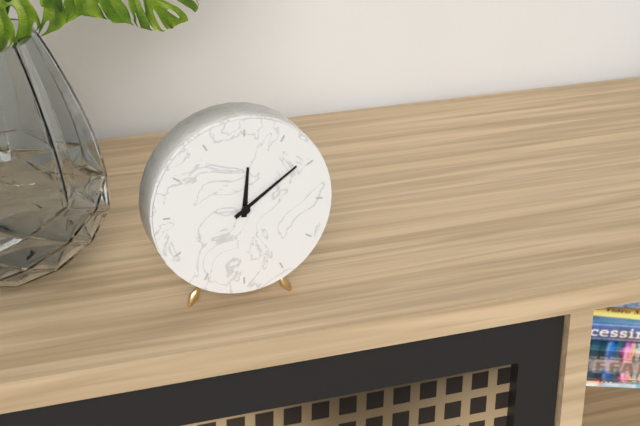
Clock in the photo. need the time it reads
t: 12:09
